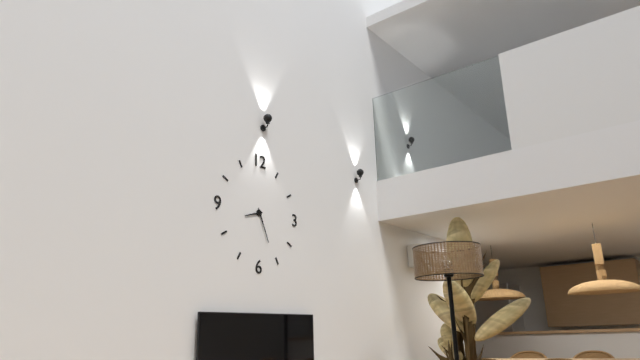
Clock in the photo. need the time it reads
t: 8:26
